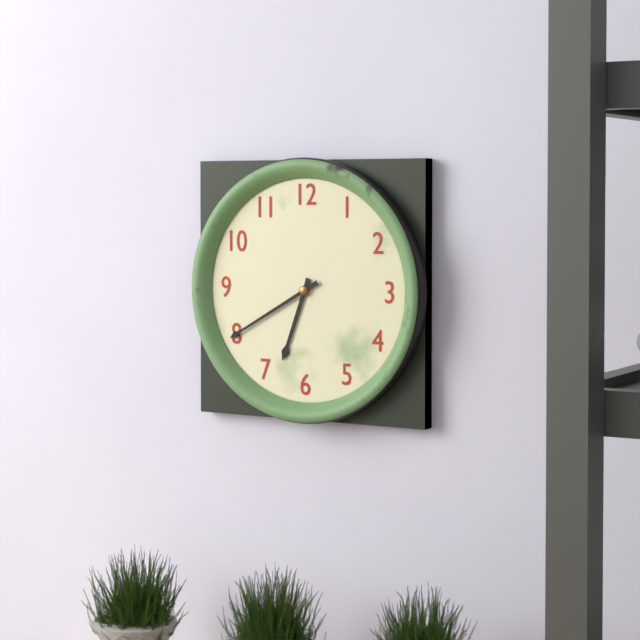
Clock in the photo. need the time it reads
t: 6:40
